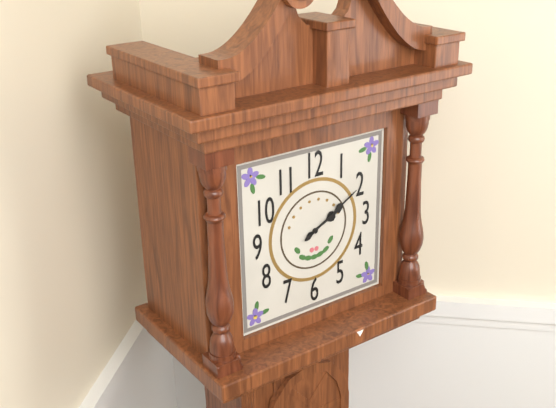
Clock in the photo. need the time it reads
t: 2:10
